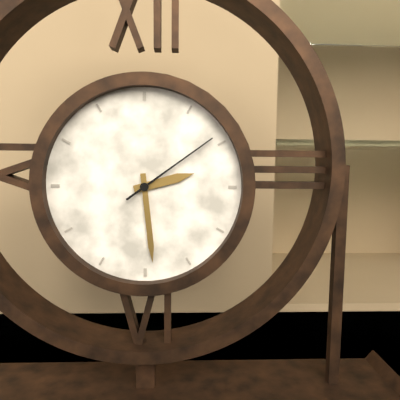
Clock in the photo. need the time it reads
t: 2:29:09
